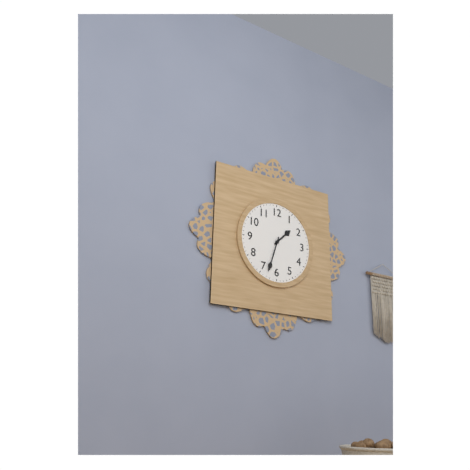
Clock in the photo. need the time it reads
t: 1:33
